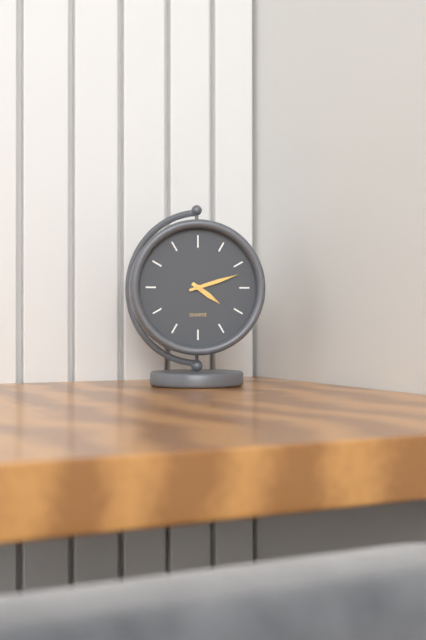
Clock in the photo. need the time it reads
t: 4:12
